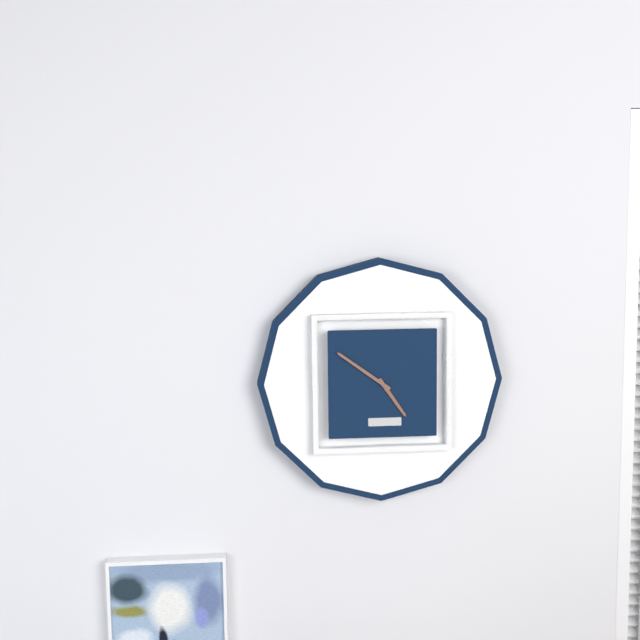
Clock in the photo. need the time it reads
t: 4:51
